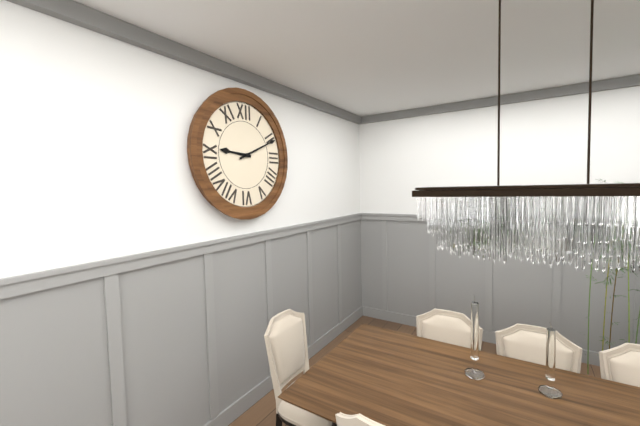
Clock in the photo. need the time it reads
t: 9:11
